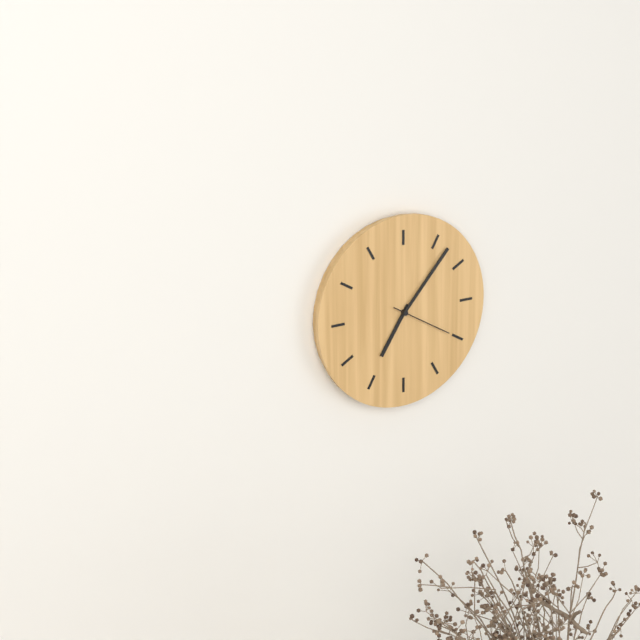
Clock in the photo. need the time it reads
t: 7:07:20
